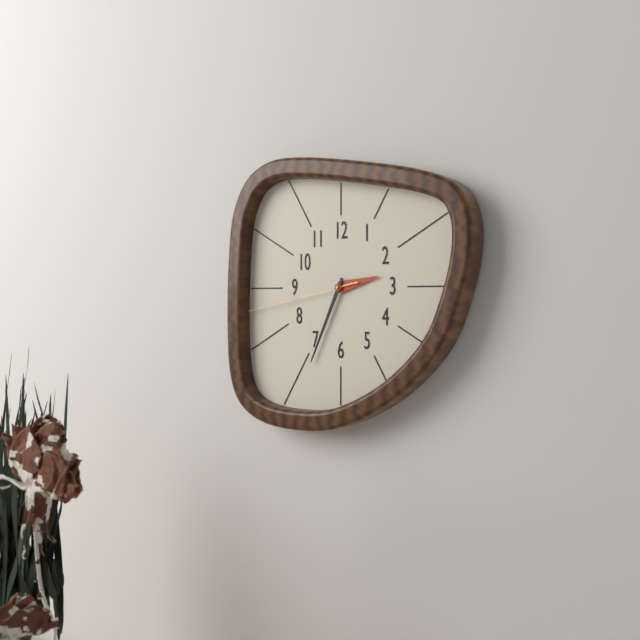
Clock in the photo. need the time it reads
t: 2:34:43
